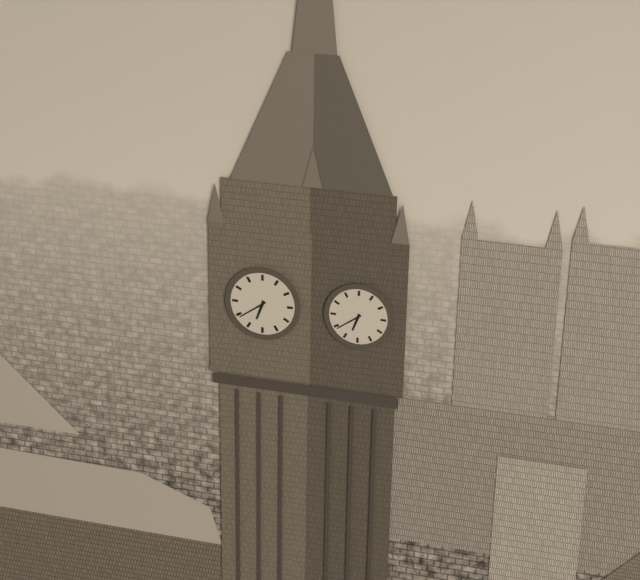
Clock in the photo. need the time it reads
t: 6:39
